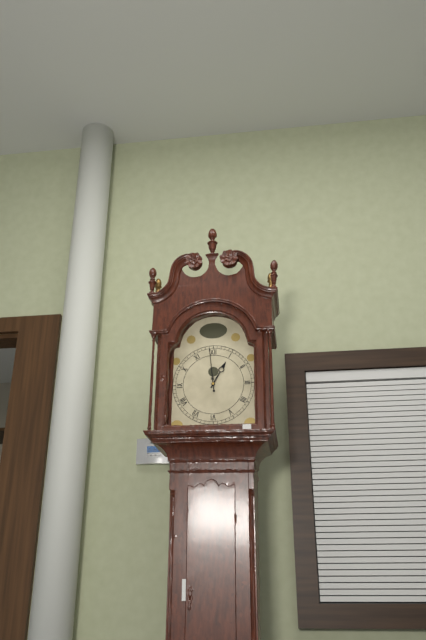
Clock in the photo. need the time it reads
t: 12:59
